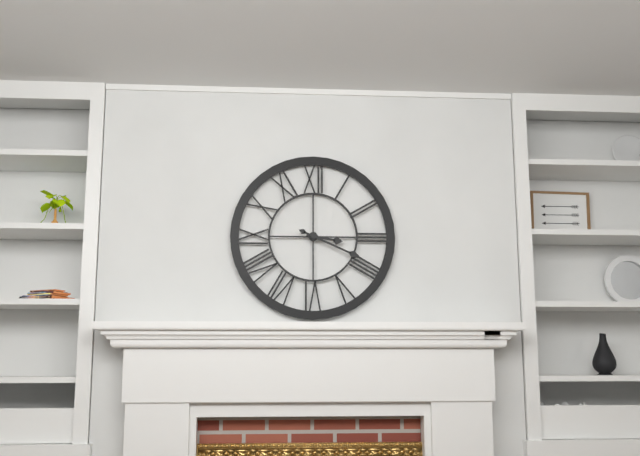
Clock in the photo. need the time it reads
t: 3:19
